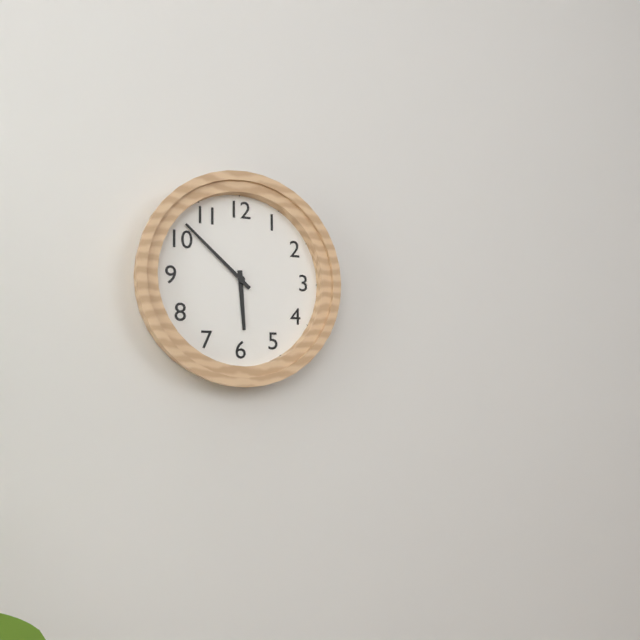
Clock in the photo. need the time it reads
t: 5:52
